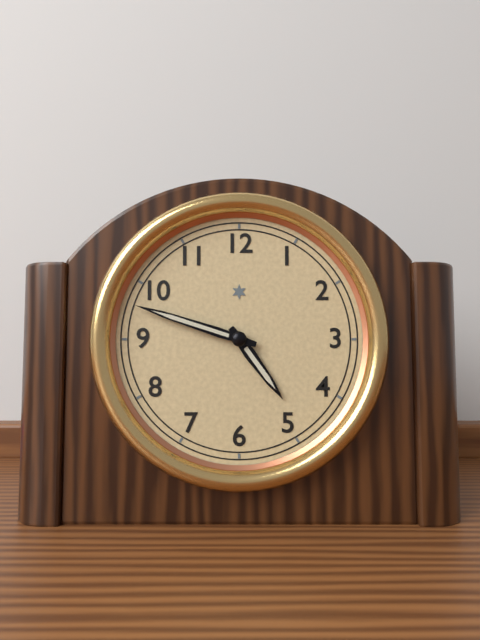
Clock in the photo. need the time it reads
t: 4:48
